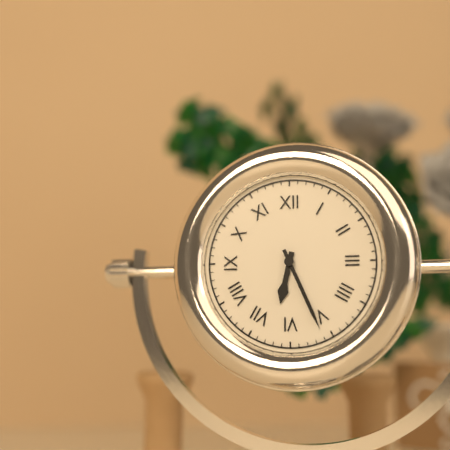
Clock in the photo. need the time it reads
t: 6:26
